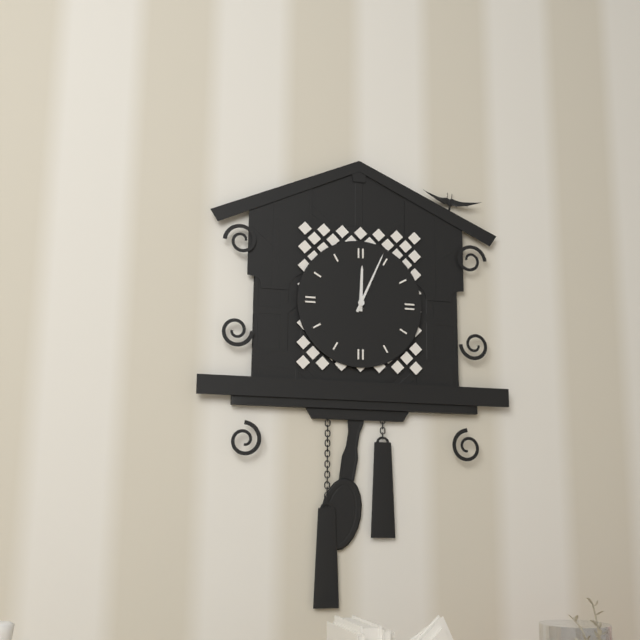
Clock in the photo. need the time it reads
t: 12:04
